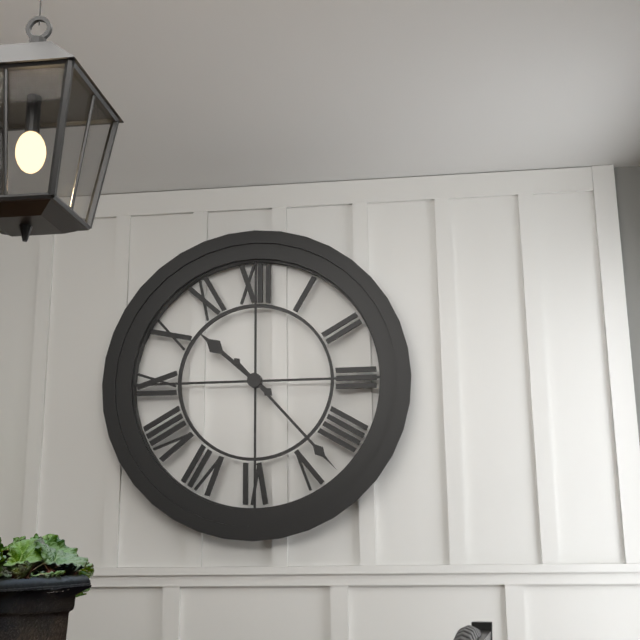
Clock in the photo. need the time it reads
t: 10:23
